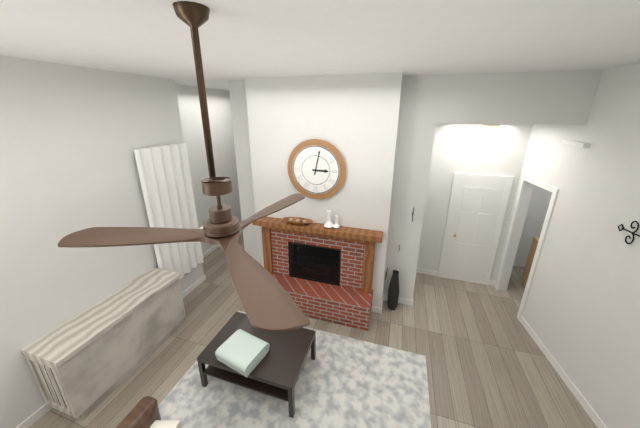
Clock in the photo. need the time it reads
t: 3:02
